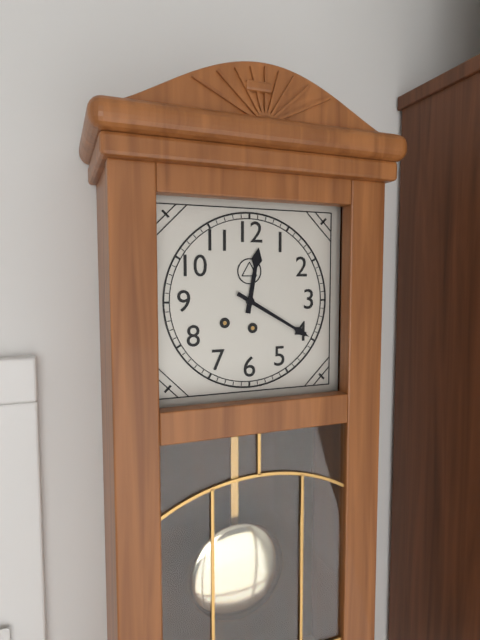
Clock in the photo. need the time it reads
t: 12:20
